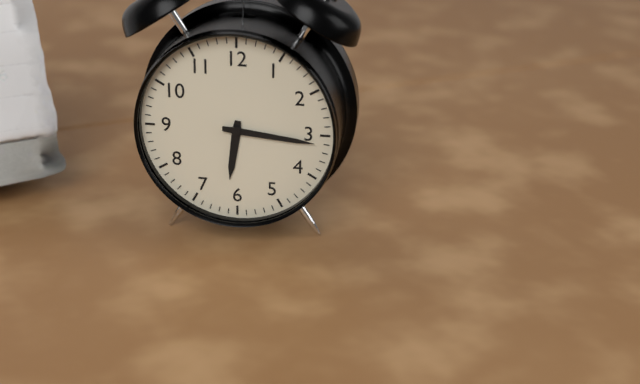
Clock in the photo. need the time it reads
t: 6:16
